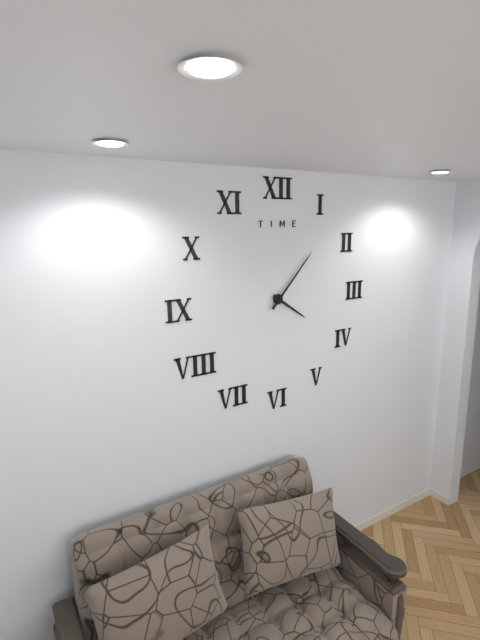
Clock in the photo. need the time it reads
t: 4:07
